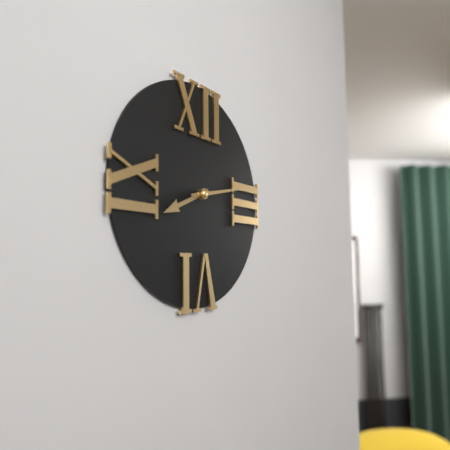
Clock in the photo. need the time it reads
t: 8:13
